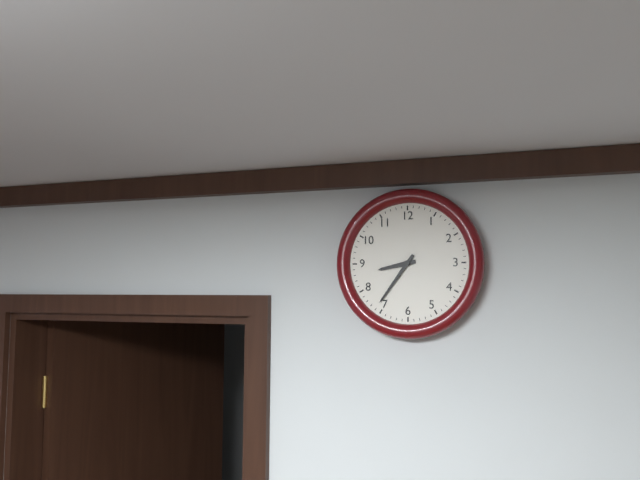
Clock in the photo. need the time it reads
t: 8:36
